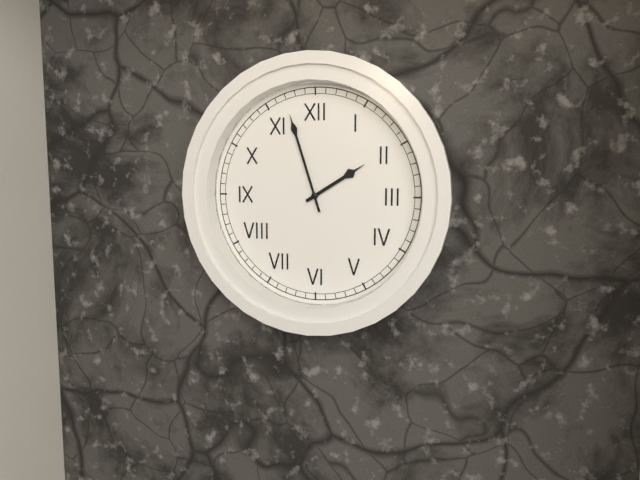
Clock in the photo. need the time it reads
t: 1:57
